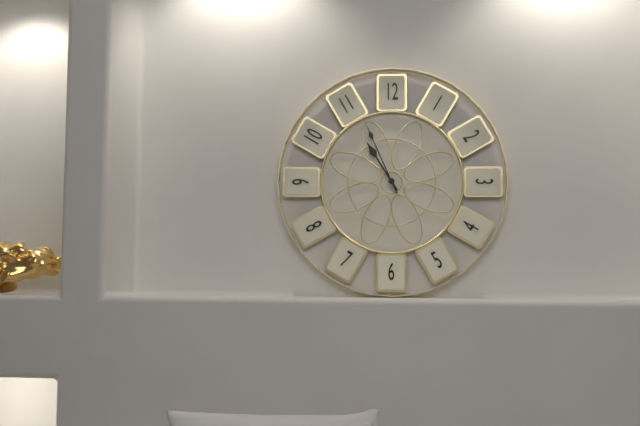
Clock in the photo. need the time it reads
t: 10:56
